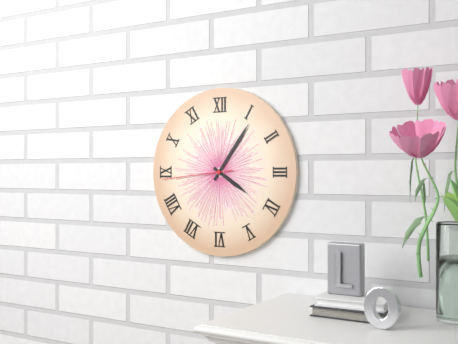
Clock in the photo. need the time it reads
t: 4:06:44
